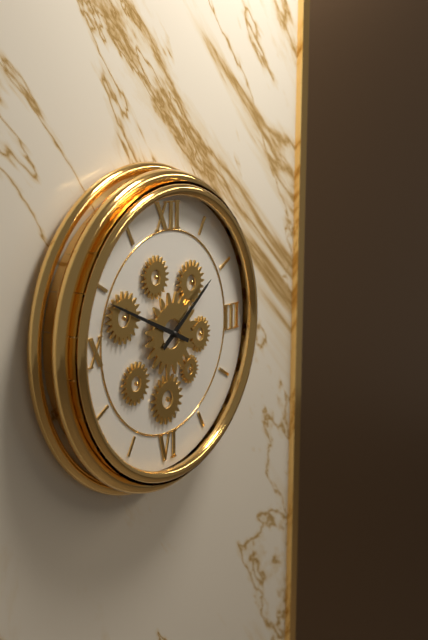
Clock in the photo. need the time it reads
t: 1:49
